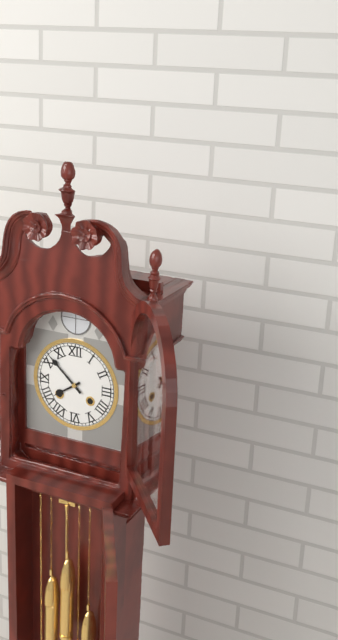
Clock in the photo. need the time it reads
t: 7:52
